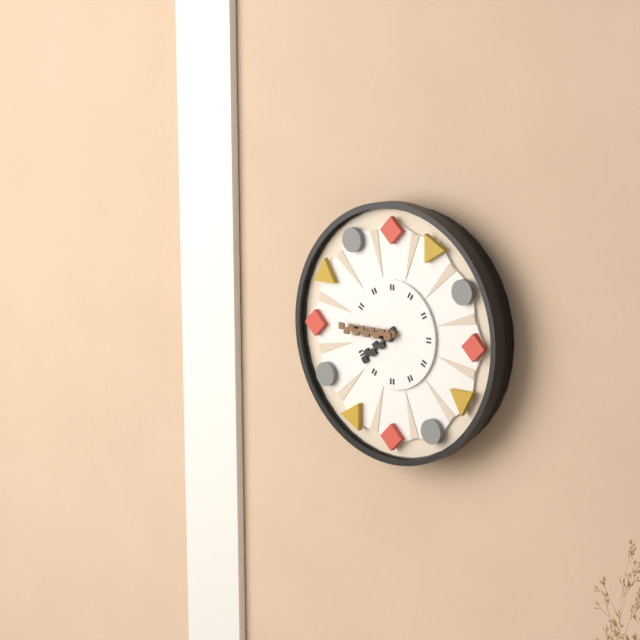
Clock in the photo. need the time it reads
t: 7:45
